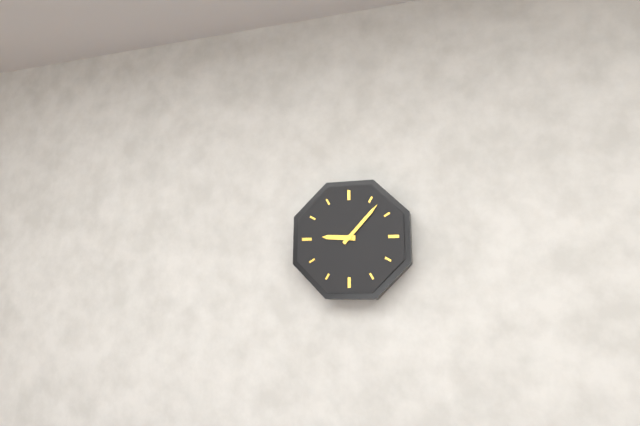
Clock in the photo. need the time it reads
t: 9:07
